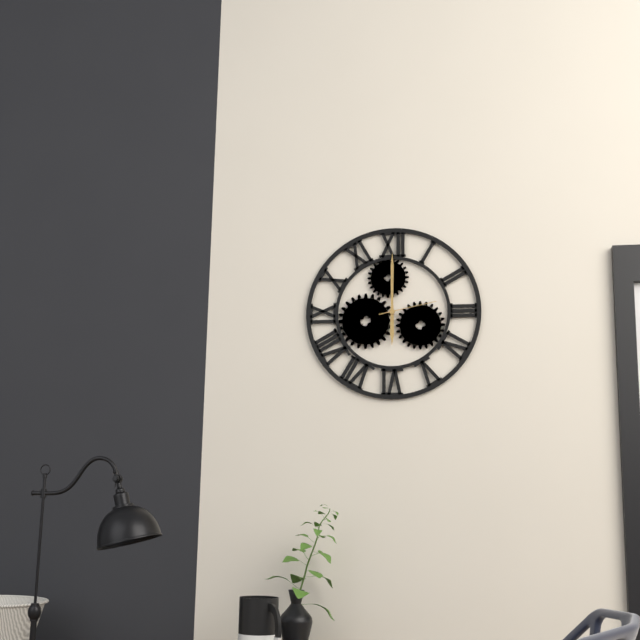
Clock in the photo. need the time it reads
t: 6:00:13
